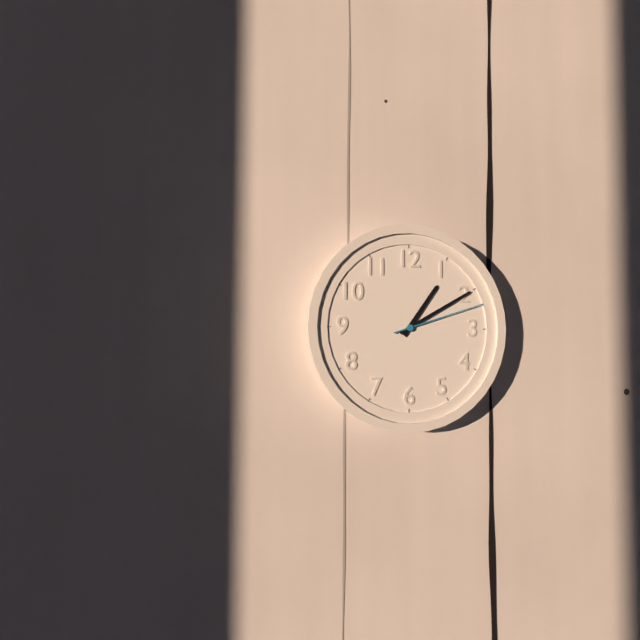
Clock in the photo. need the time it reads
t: 1:10:12
